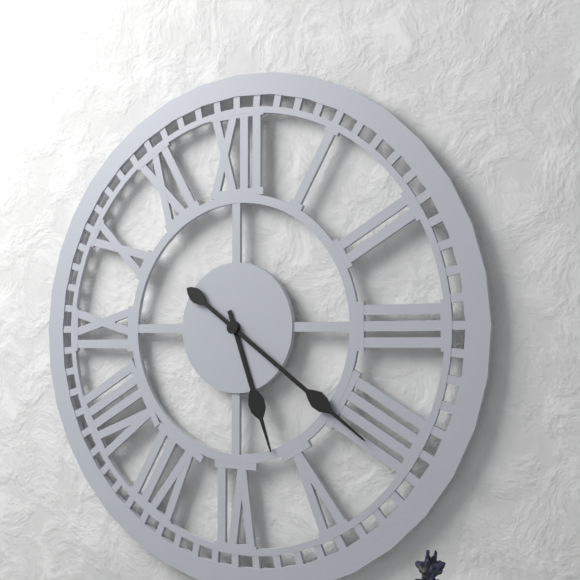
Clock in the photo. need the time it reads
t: 5:21
